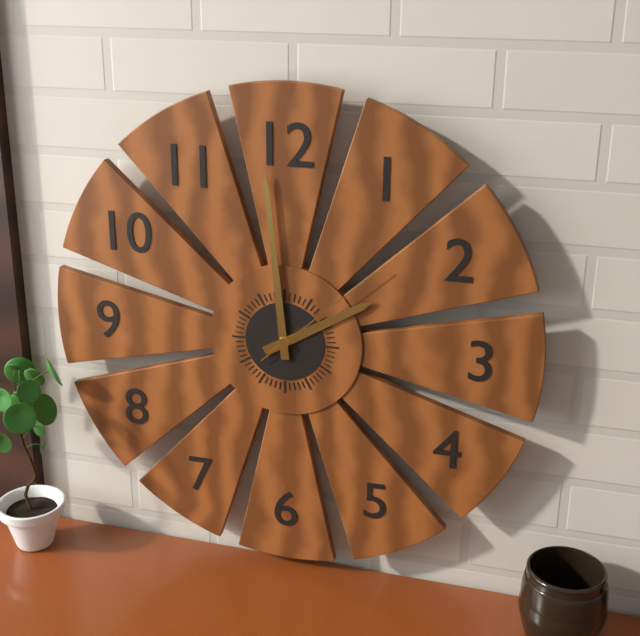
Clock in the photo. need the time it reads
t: 1:59:08
